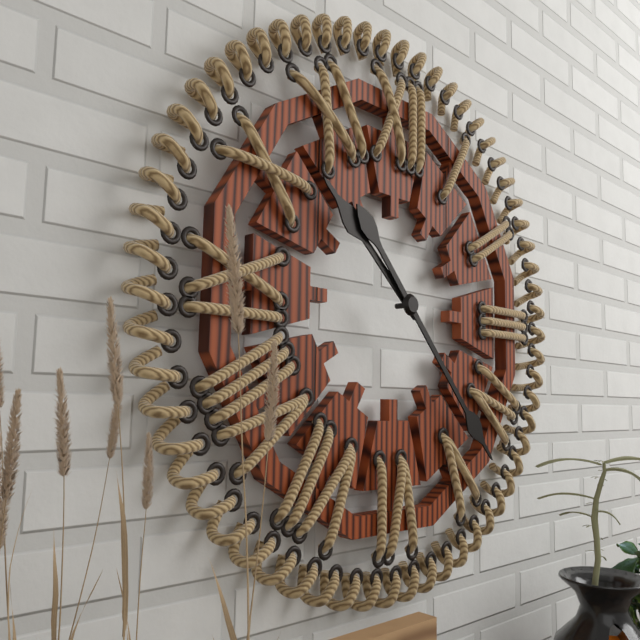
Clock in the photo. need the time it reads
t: 10:23
